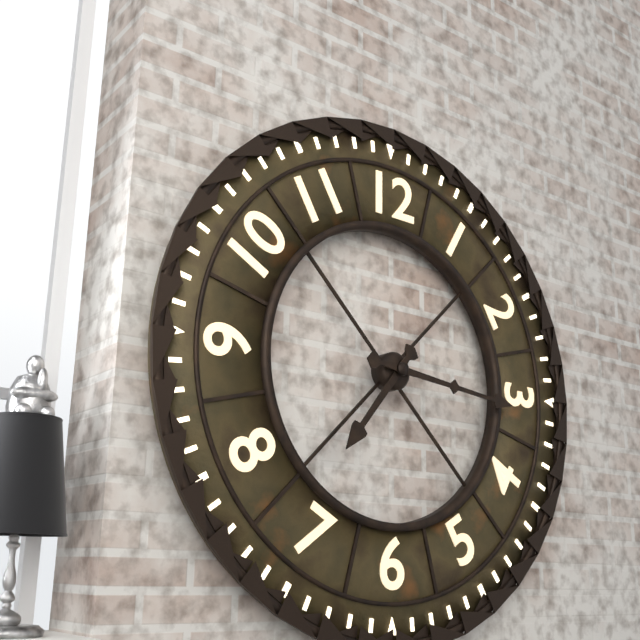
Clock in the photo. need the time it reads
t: 7:16
